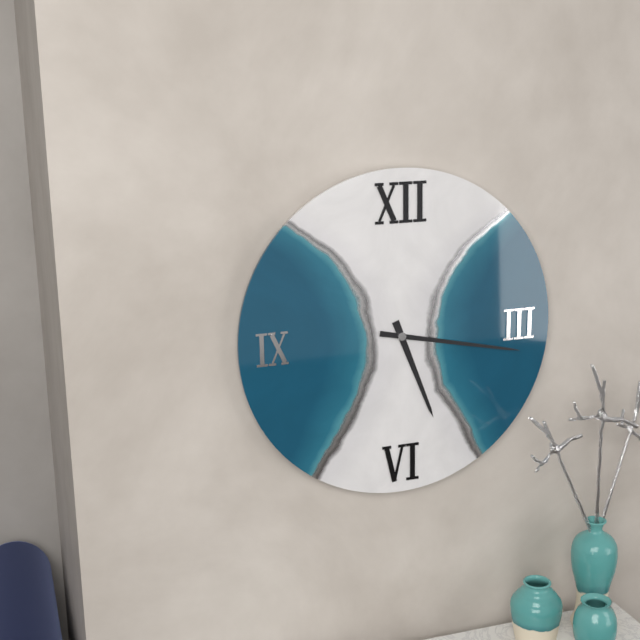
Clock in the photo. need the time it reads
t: 5:17
